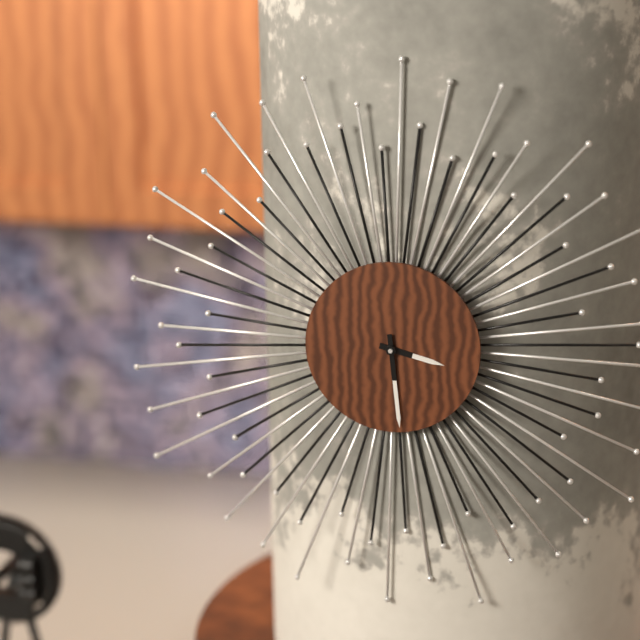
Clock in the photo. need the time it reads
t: 3:29
